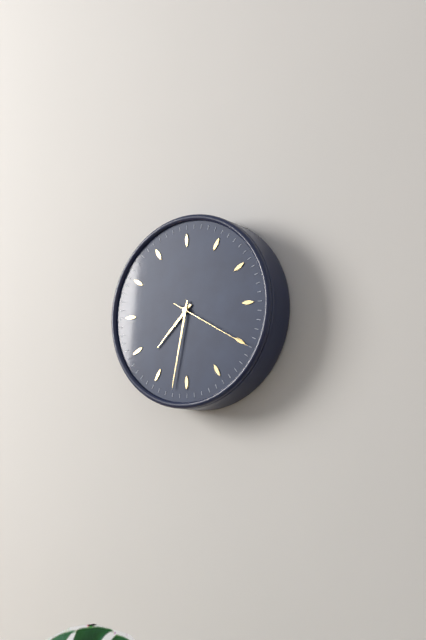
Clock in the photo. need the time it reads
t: 7:32:20
